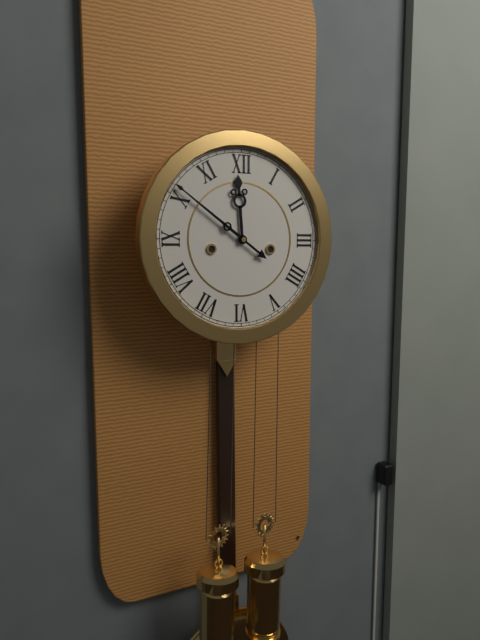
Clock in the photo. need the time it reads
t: 11:51
